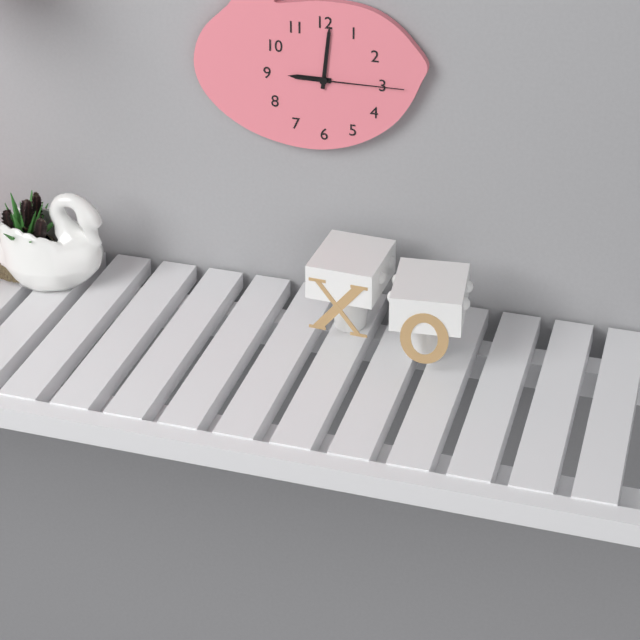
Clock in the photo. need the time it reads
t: 9:01:15
